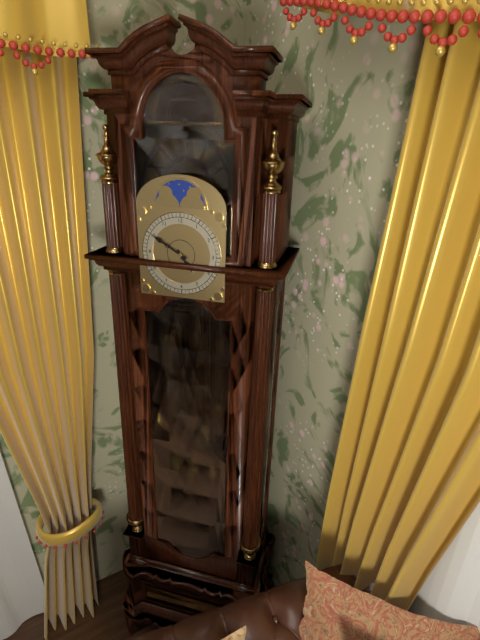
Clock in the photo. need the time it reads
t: 4:50
